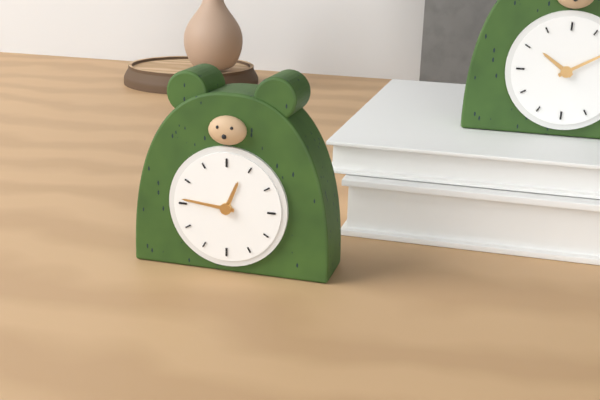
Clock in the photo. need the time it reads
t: 12:46
